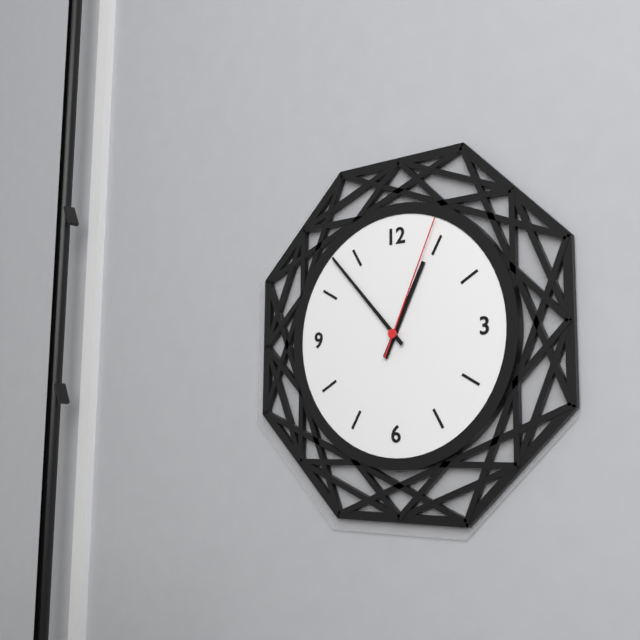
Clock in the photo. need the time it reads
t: 12:53:04
